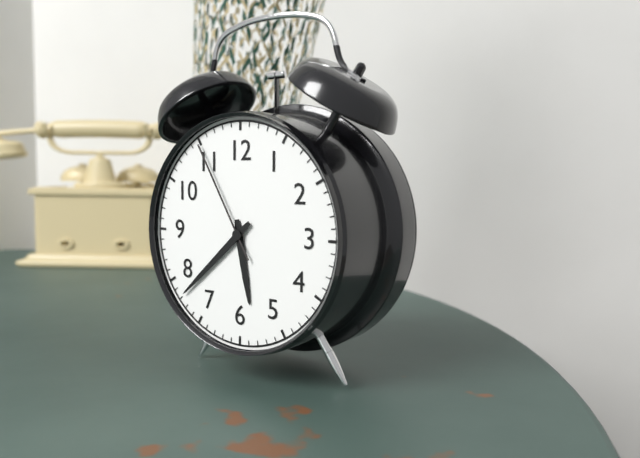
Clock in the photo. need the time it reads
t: 5:38:55
